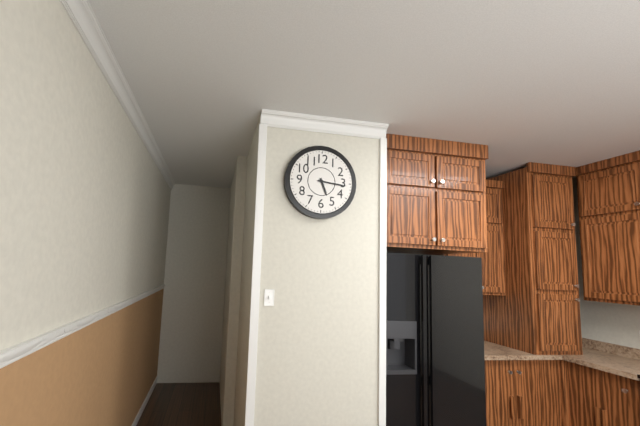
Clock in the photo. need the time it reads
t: 5:16
